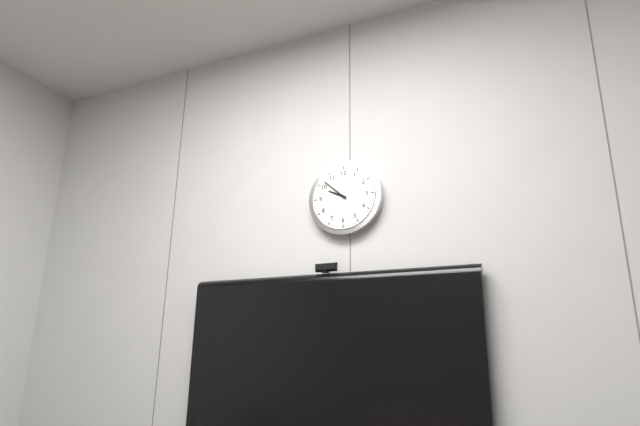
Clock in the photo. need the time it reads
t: 9:52
